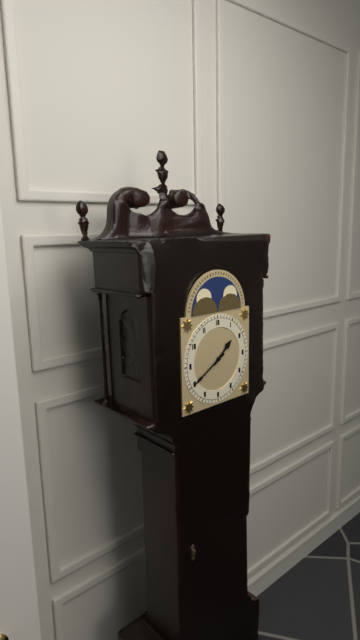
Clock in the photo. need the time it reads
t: 1:40
